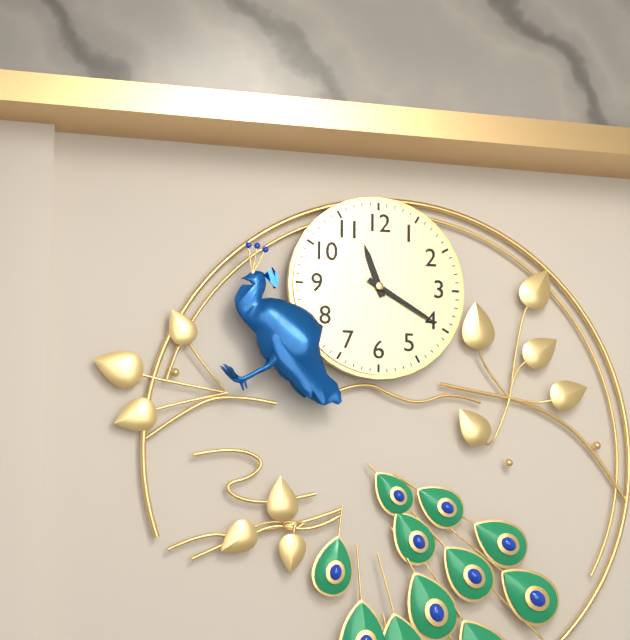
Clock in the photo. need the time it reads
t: 11:20
